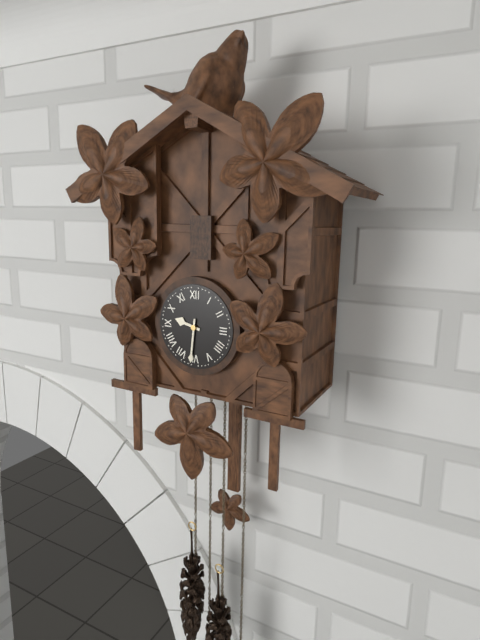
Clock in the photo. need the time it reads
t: 9:31
